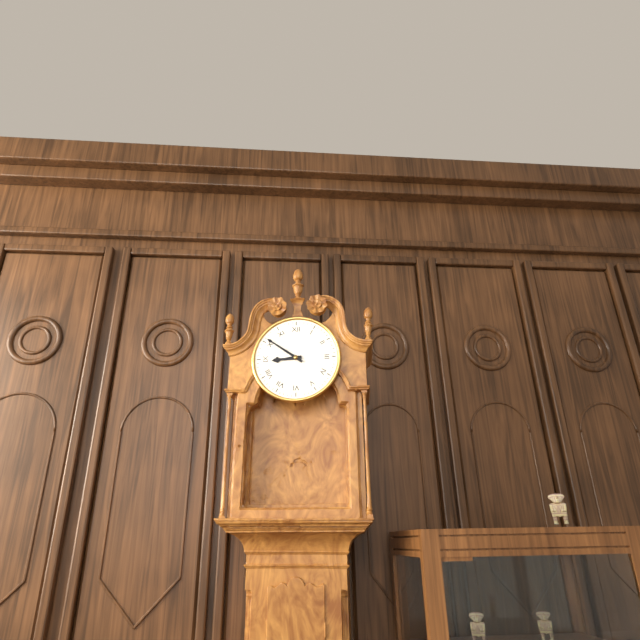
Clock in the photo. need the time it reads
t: 8:51
